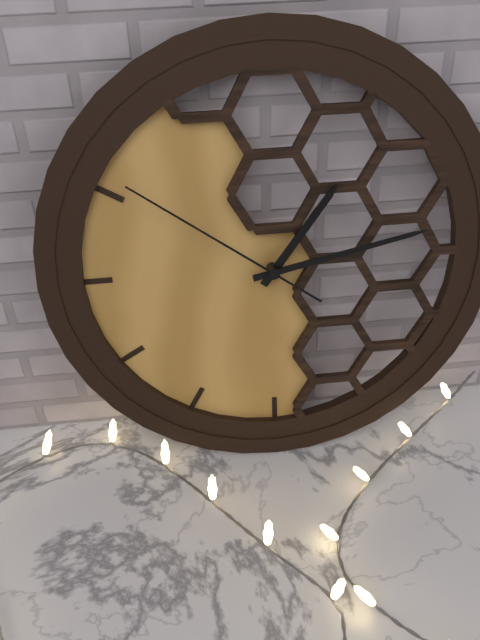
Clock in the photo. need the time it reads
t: 1:13:51
